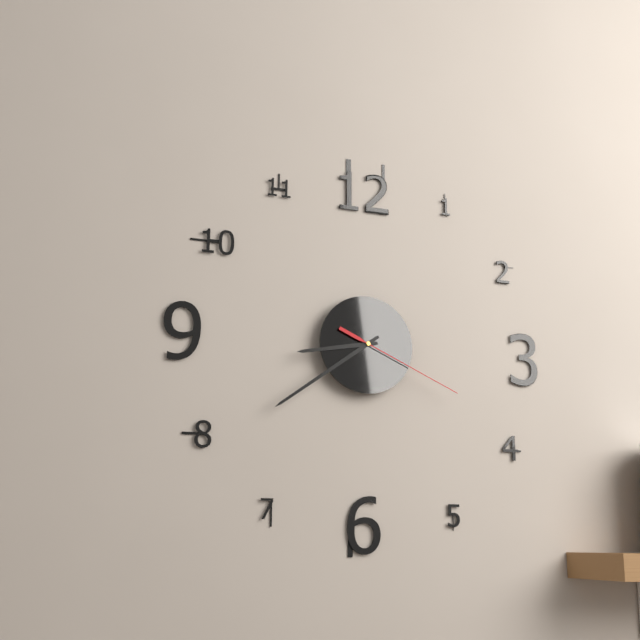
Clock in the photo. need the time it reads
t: 8:39:19
